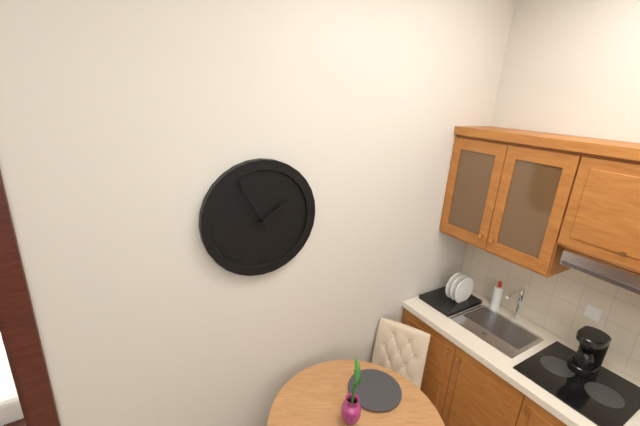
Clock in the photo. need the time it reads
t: 1:55
